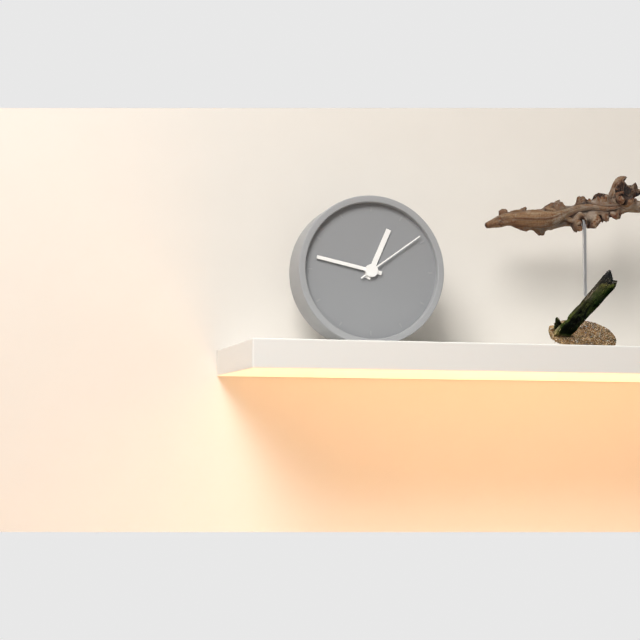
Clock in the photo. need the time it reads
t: 12:47:09
